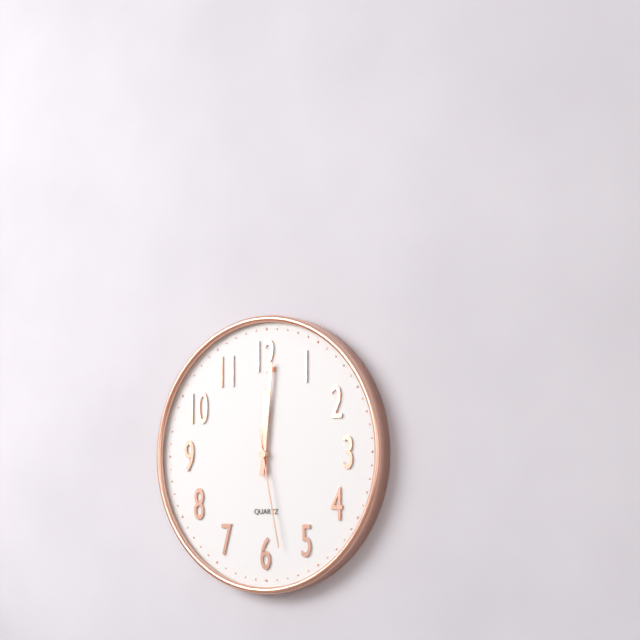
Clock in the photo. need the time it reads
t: 12:01:28
